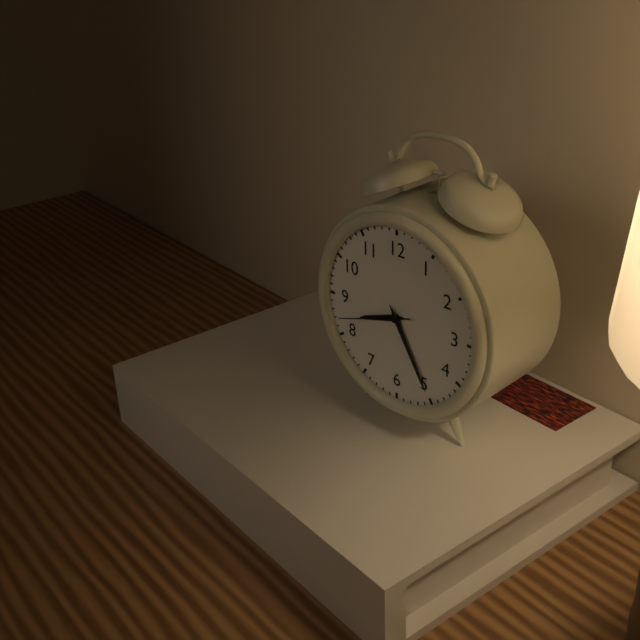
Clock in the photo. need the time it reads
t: 8:25:42
